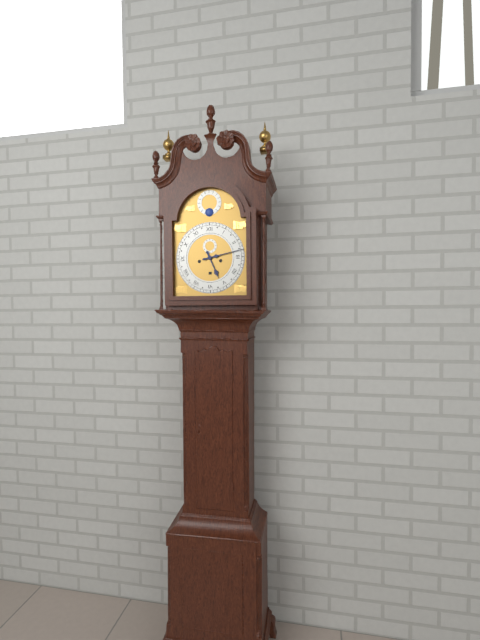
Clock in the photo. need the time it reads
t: 5:13
